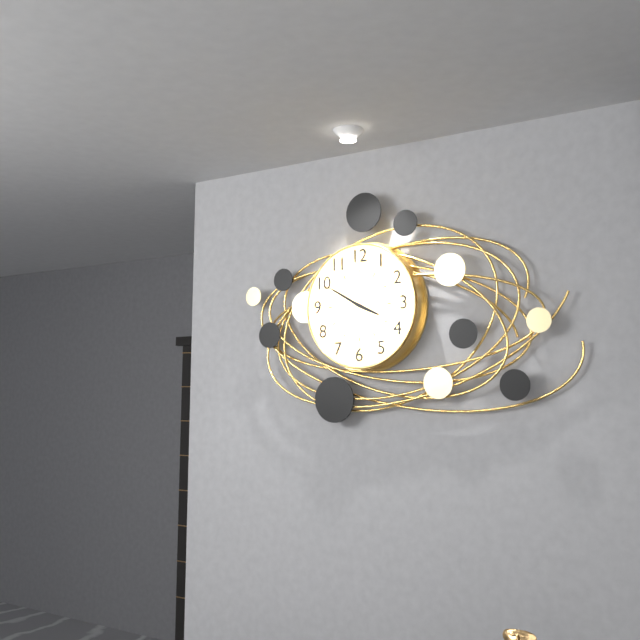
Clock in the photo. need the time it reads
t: 3:50
